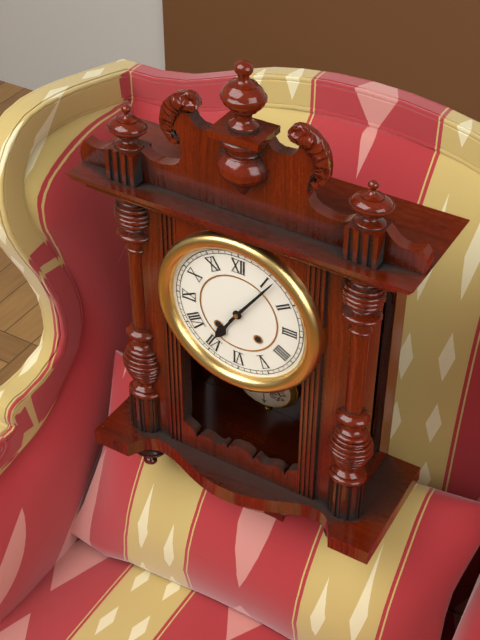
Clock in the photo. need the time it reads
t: 7:06
